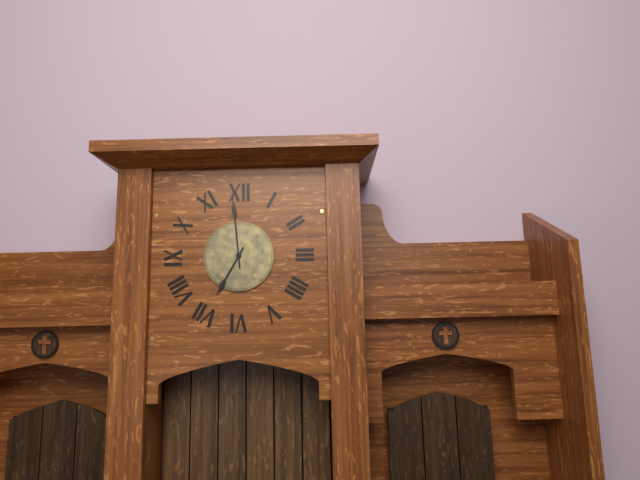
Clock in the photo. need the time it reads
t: 6:59
